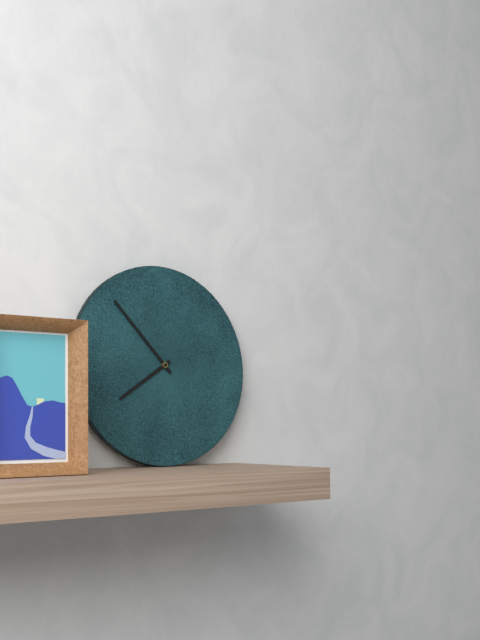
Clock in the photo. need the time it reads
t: 7:53
